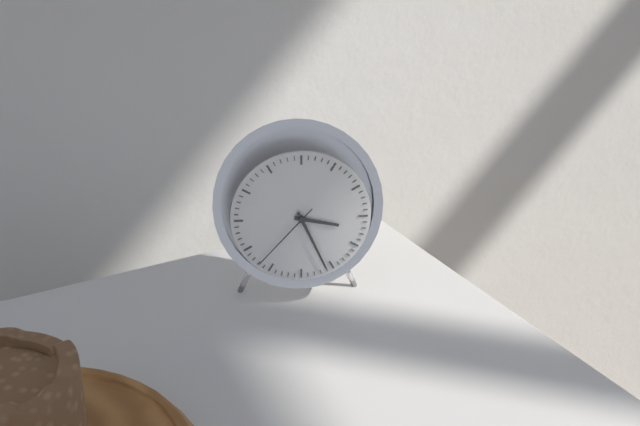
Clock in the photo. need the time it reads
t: 3:26:37
